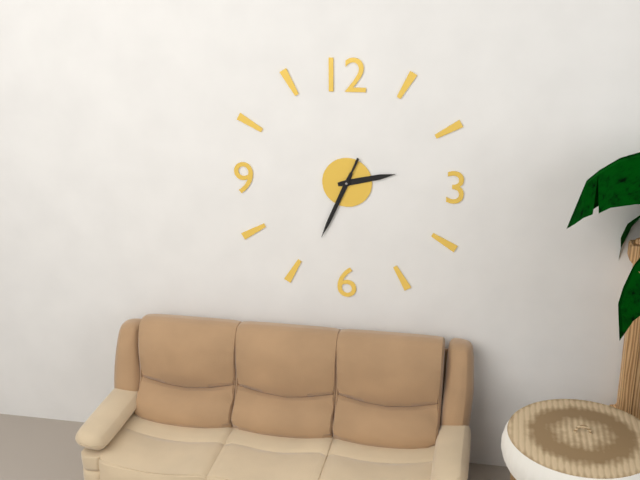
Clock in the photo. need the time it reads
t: 2:34:34
